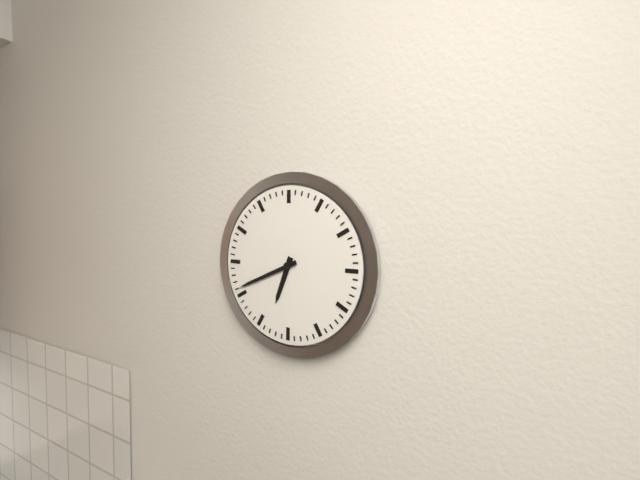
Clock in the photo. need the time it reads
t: 6:41
